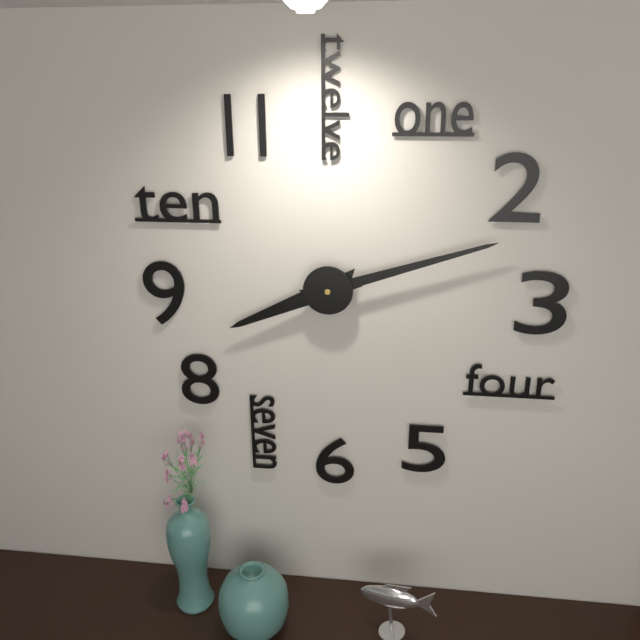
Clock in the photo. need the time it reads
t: 8:12
